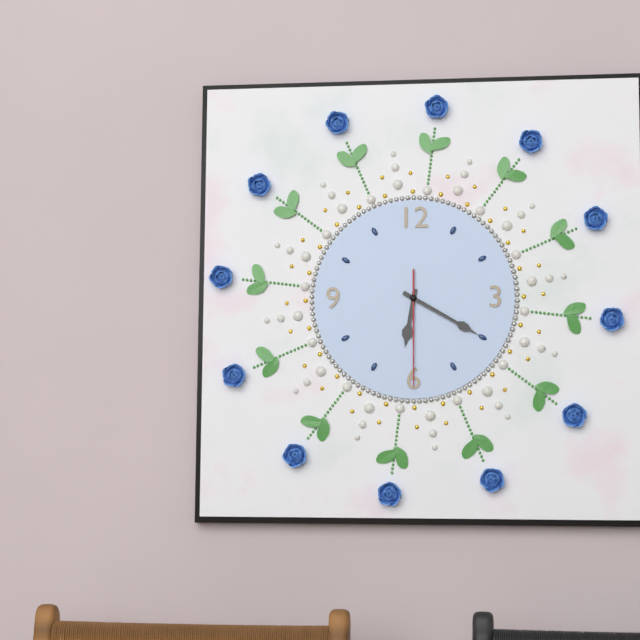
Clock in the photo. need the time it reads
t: 6:20:30
